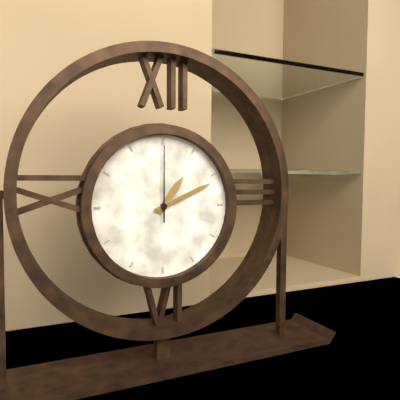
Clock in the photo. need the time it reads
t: 1:11:00
